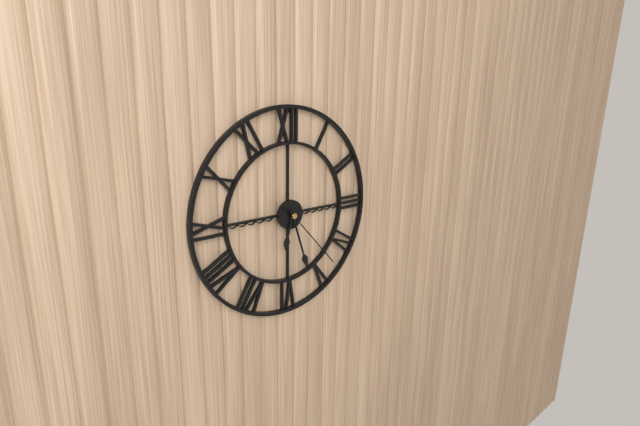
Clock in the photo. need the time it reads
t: 6:27:23
